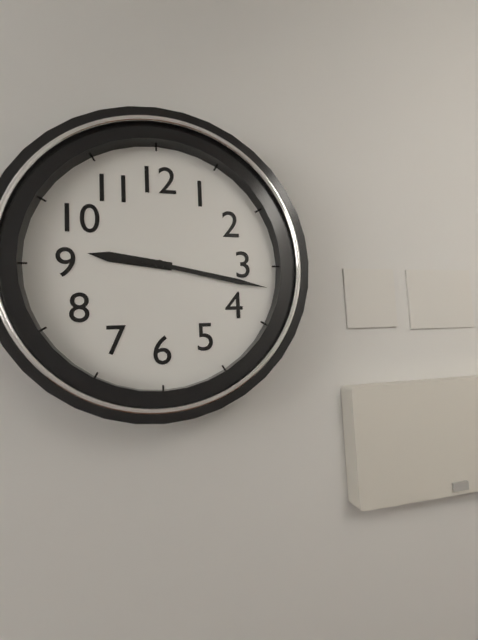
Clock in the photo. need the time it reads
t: 9:17
